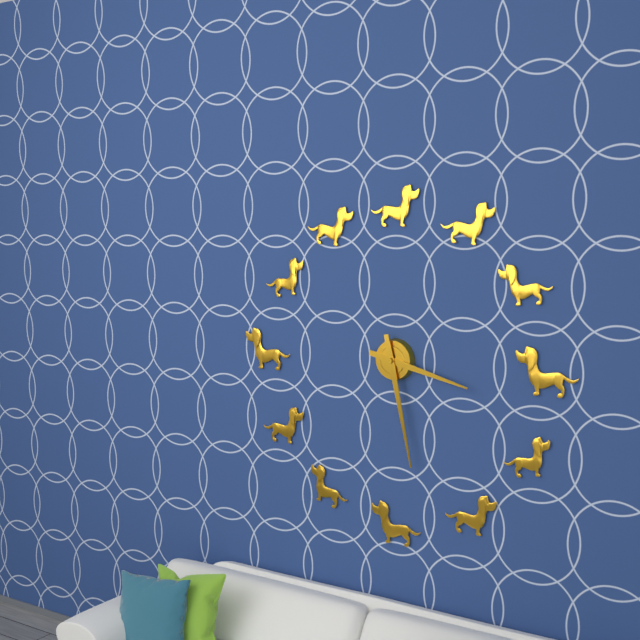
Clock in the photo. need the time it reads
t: 3:28
